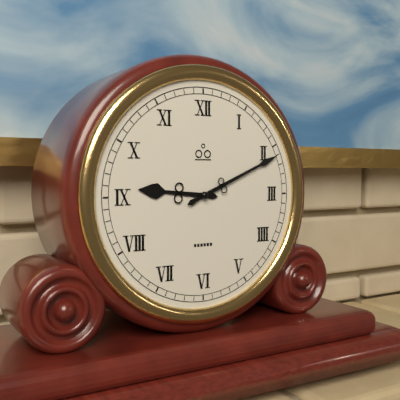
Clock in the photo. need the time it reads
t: 9:11
